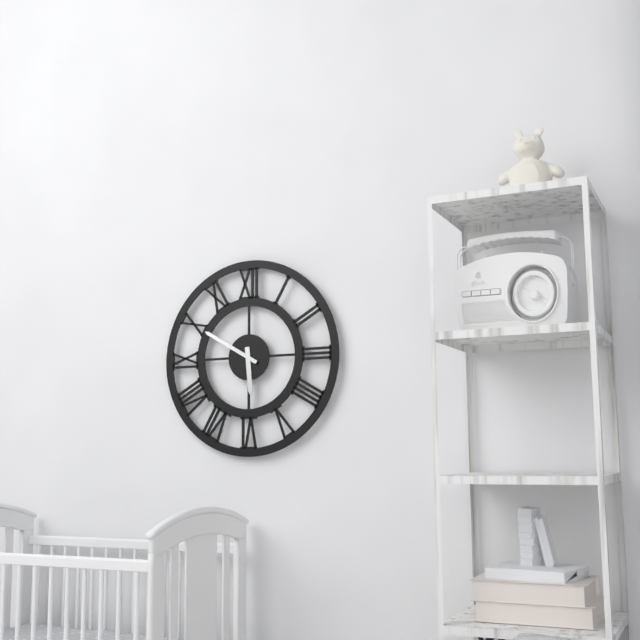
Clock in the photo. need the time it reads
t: 5:50
